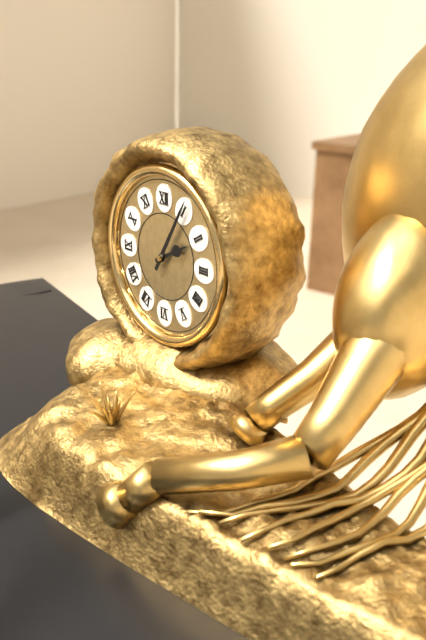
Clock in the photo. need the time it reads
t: 2:05
